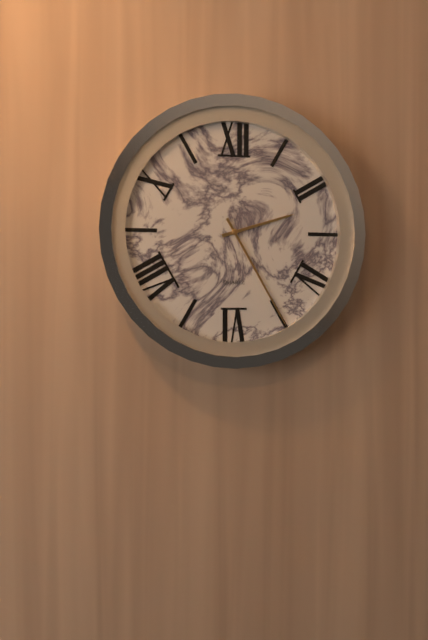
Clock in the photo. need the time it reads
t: 2:25
